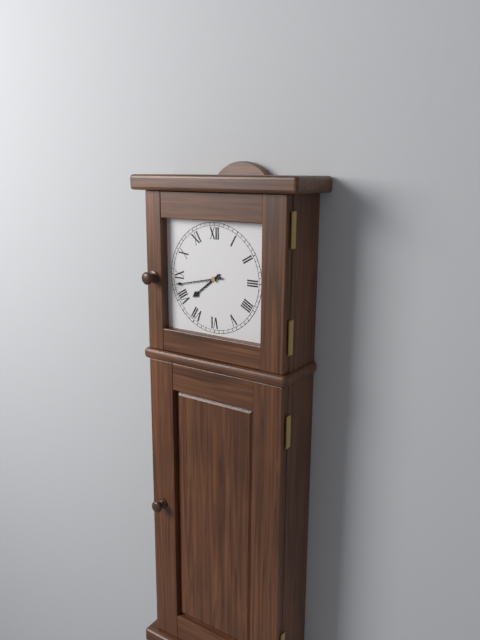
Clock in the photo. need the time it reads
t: 7:43
